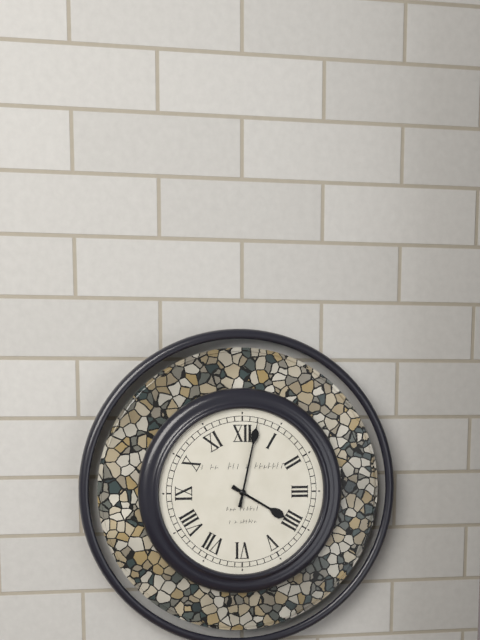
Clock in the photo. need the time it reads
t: 4:02
